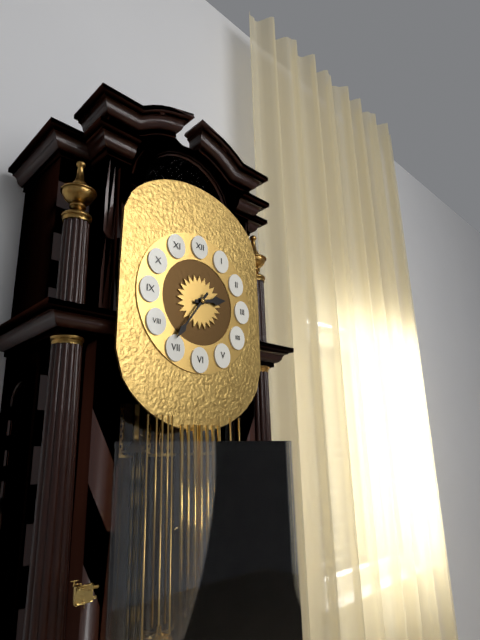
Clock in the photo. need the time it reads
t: 2:36
